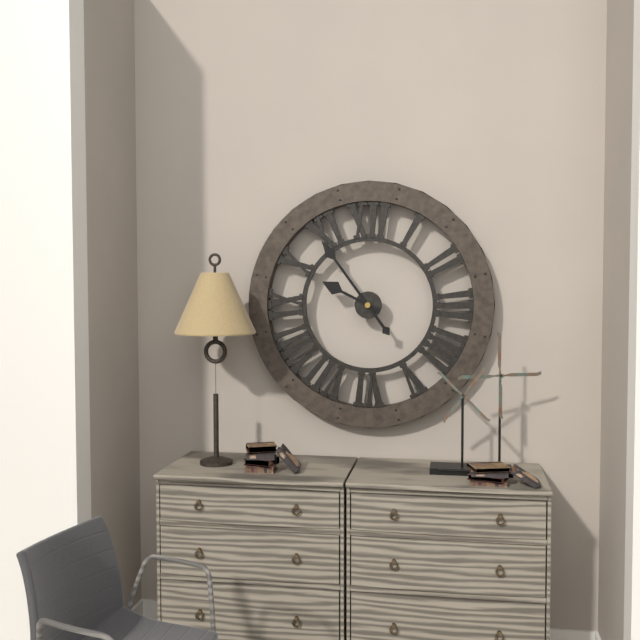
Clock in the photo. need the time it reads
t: 9:54
